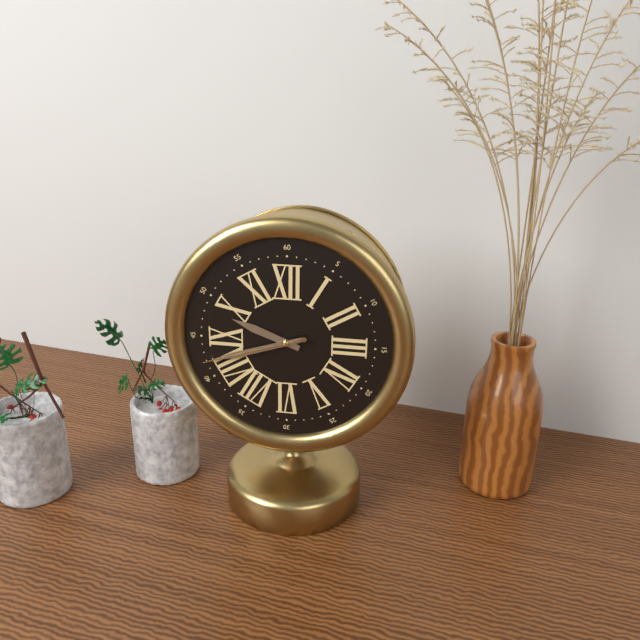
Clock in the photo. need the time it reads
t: 9:42:42
